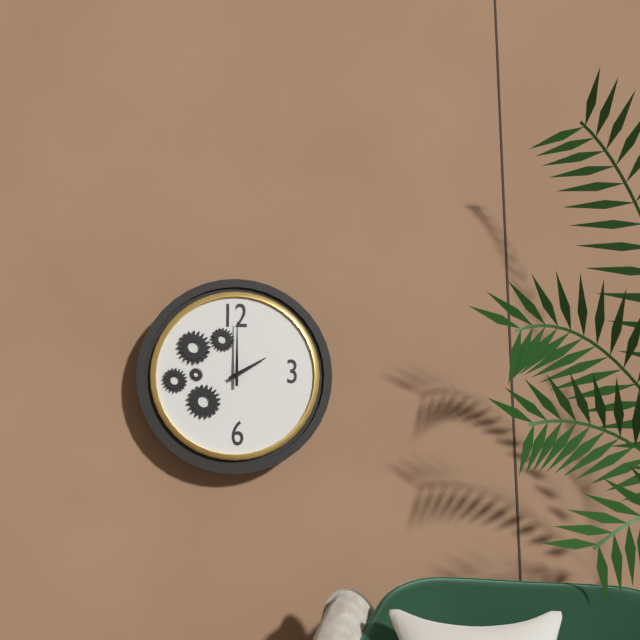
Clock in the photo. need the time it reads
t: 2:00
